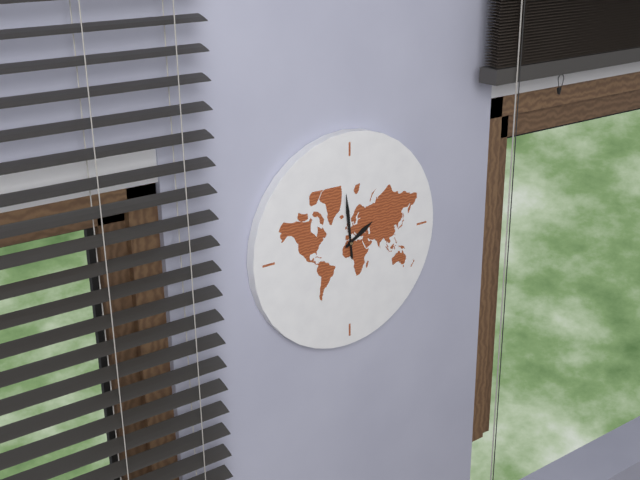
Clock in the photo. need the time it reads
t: 1:59
